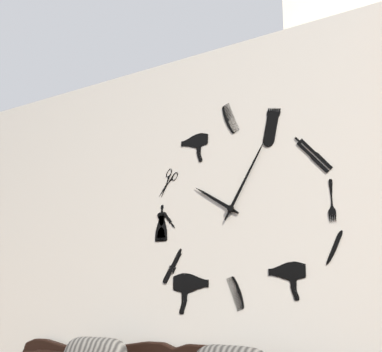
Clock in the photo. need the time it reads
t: 10:05
